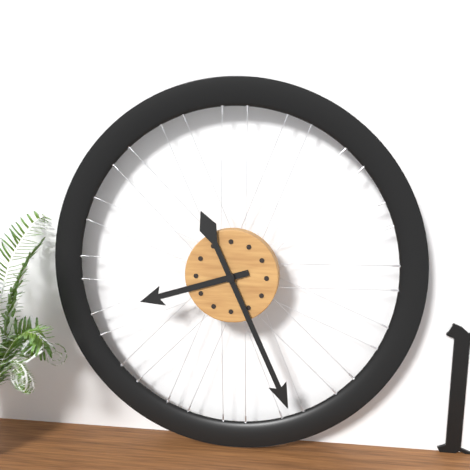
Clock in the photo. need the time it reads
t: 8:26
